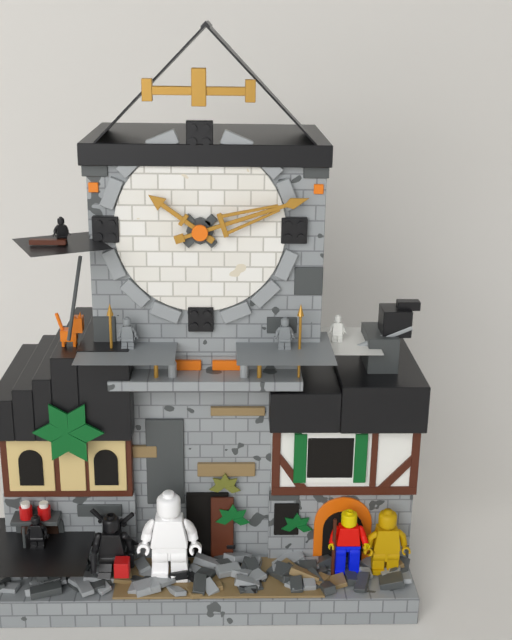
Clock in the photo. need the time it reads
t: 10:12
